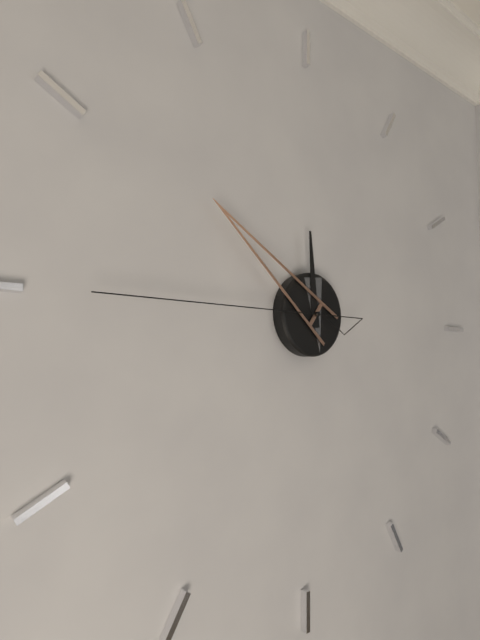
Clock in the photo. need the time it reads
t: 11:51:45
